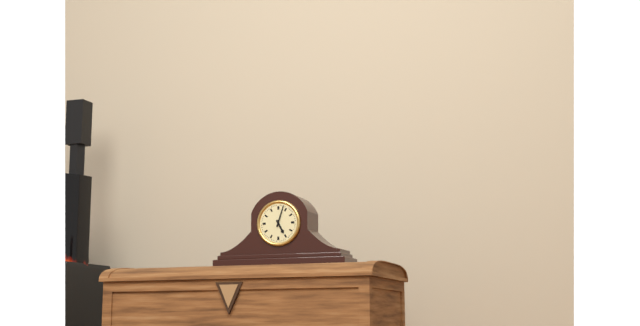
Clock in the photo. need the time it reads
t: 5:03
